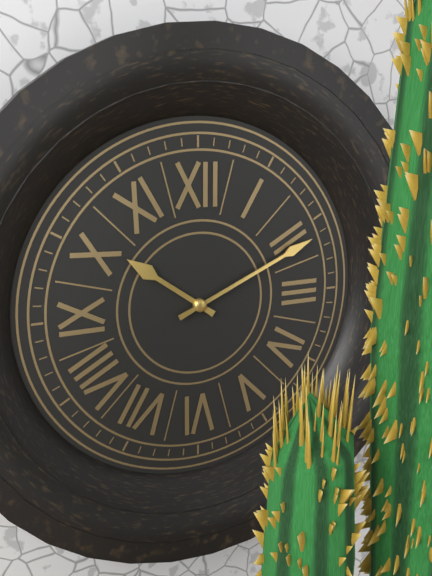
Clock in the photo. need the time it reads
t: 10:11
